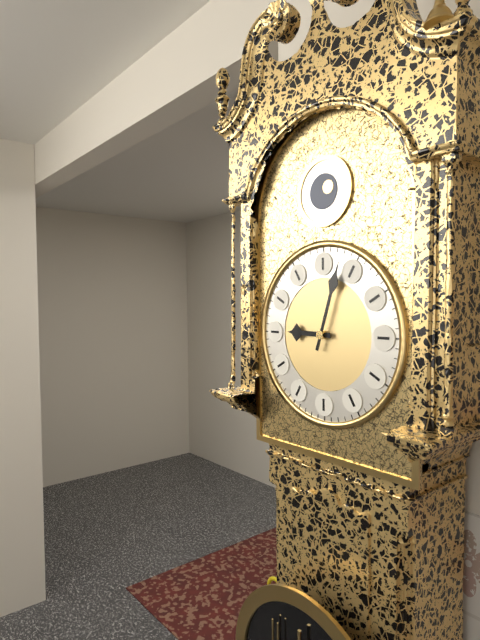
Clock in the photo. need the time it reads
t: 9:03
